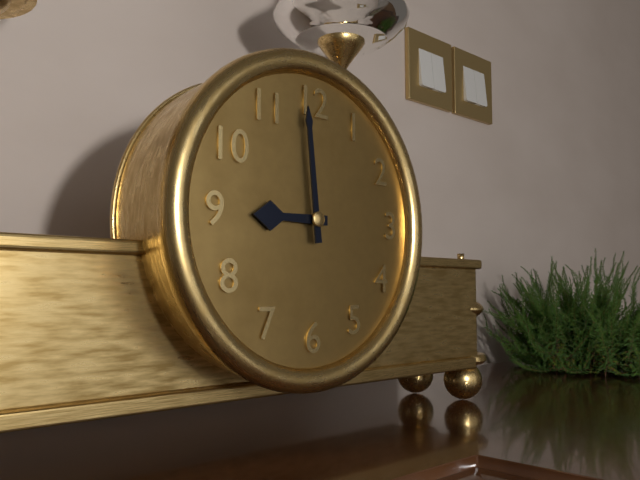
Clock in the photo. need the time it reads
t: 8:59
